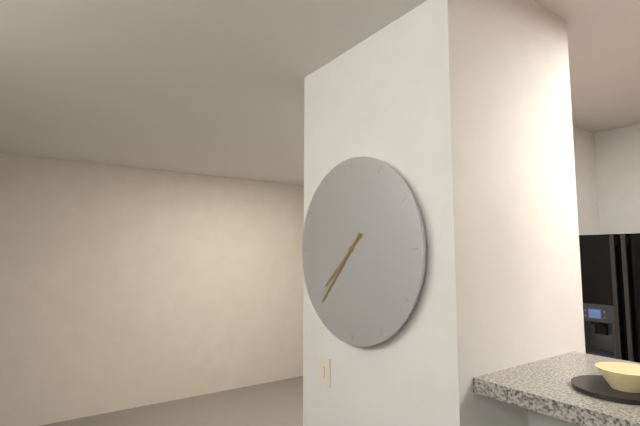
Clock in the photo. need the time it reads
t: 7:37
